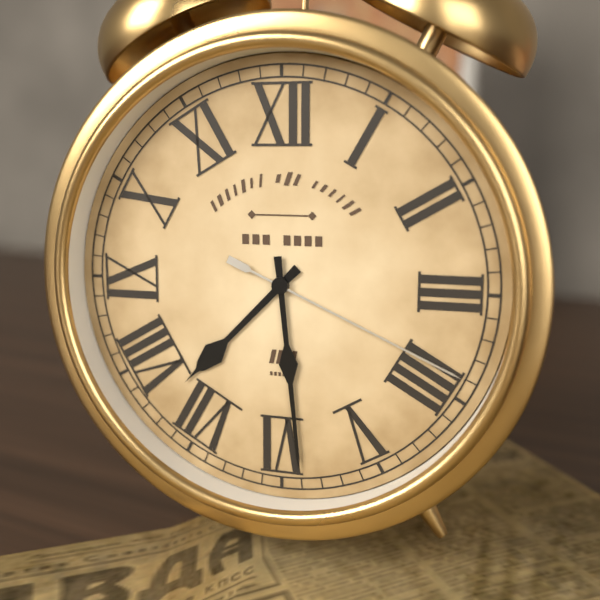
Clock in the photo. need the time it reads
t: 7:29:19
